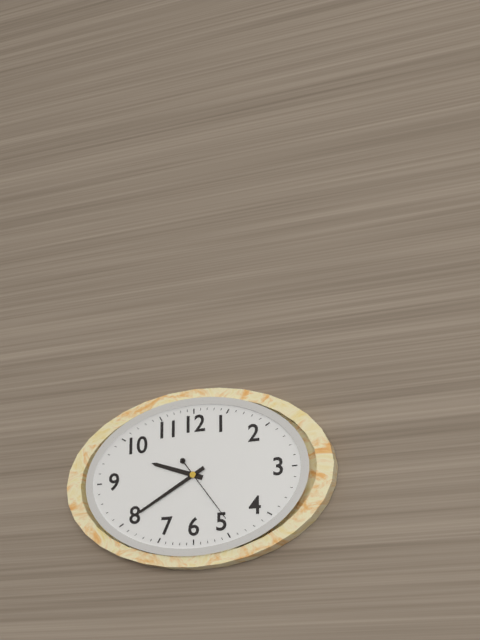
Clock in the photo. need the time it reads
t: 9:40:24
